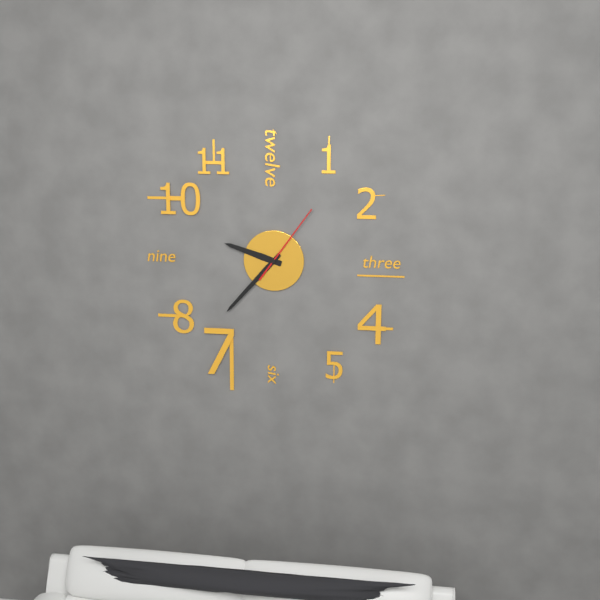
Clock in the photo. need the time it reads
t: 9:37:06
